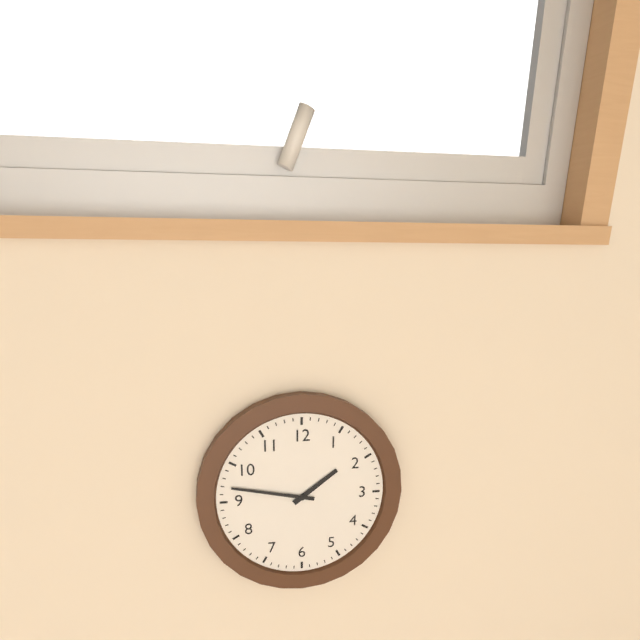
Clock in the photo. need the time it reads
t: 1:47
